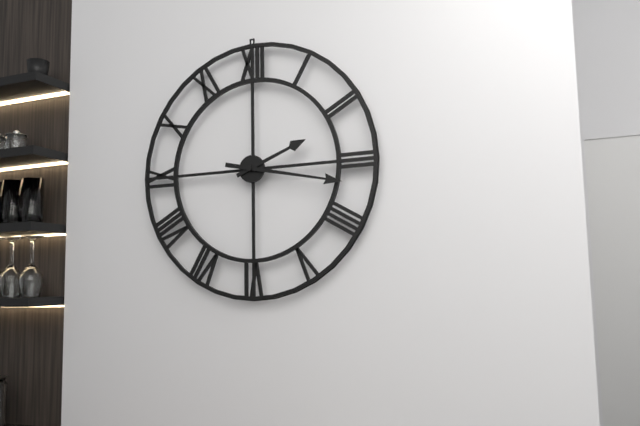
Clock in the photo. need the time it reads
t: 2:17
